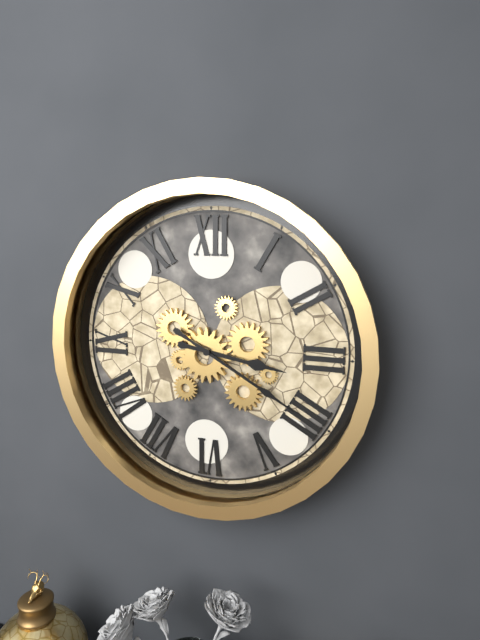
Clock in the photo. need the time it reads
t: 3:20
